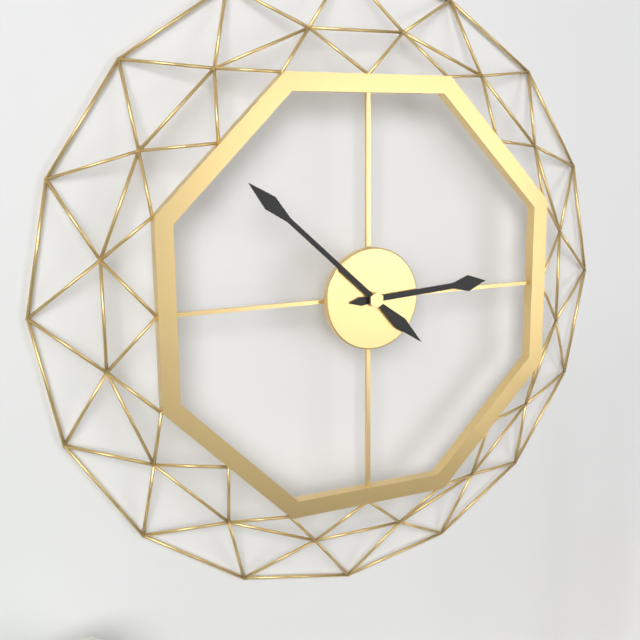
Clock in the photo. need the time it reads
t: 2:52
